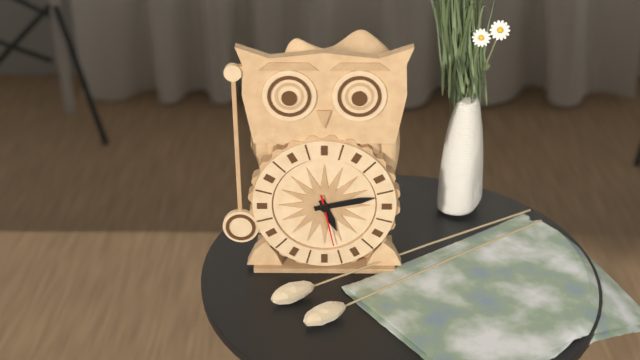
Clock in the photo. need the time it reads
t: 5:13:28
